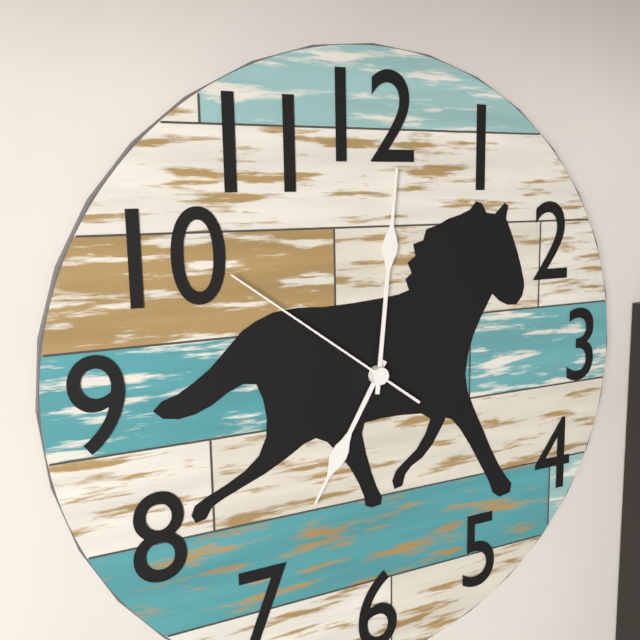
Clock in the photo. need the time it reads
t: 7:01:51
